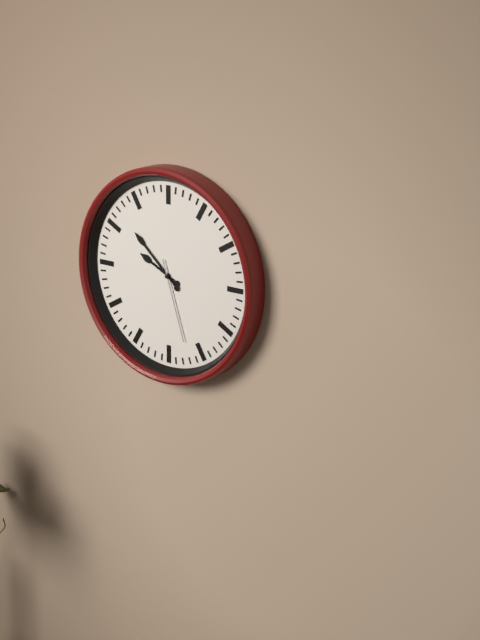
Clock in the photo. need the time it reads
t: 9:52:27
